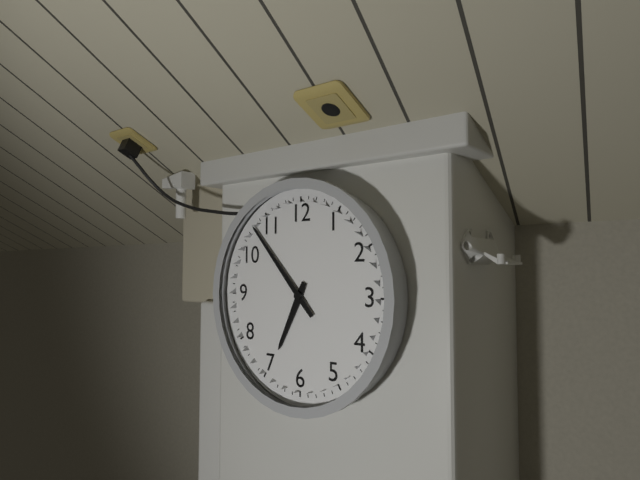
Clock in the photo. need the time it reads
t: 6:53
